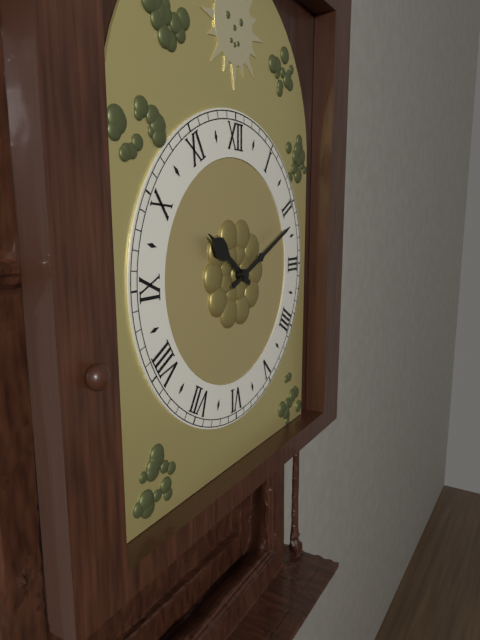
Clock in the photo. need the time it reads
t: 10:11
